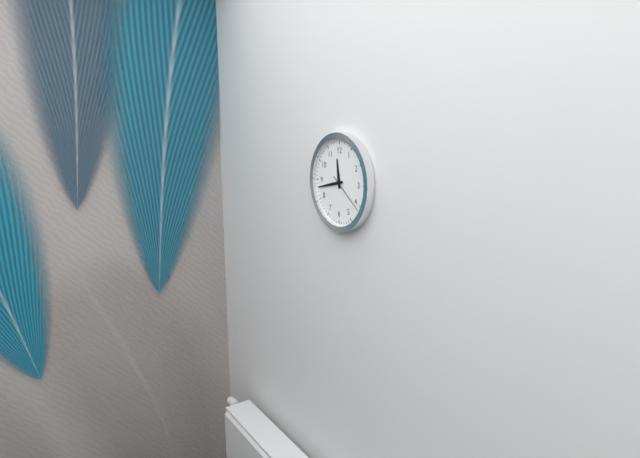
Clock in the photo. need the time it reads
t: 11:43
